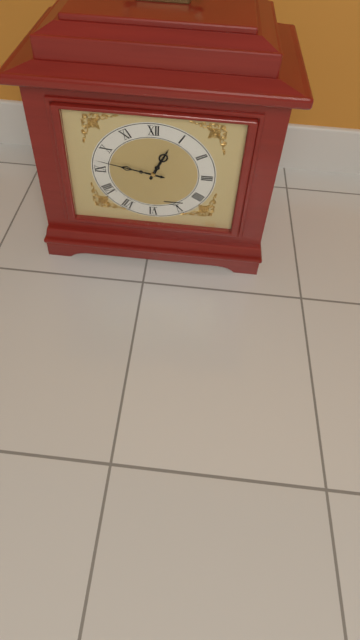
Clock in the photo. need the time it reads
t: 12:47
